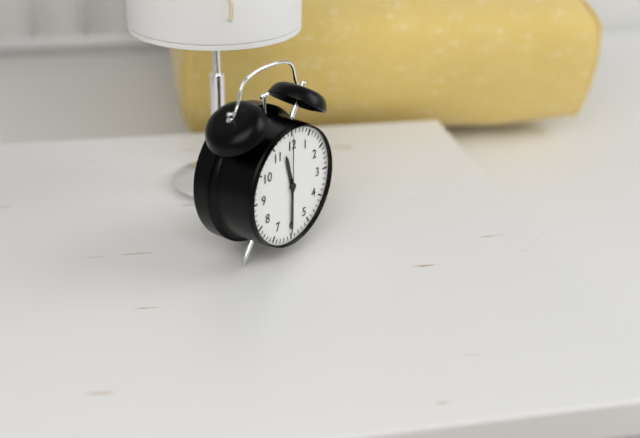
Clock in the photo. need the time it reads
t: 11:30:00
